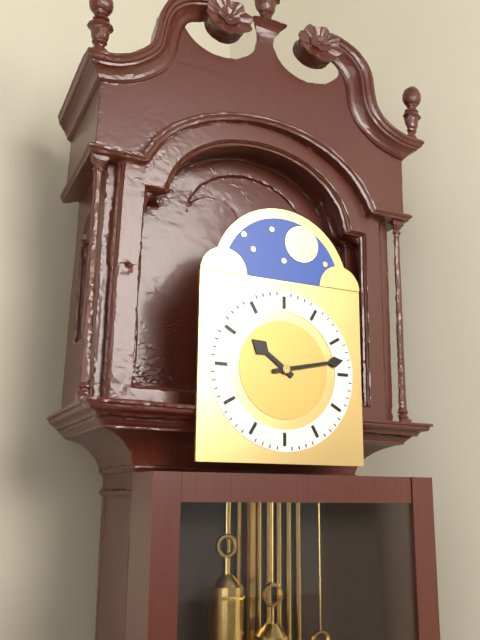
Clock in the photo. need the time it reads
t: 10:13
